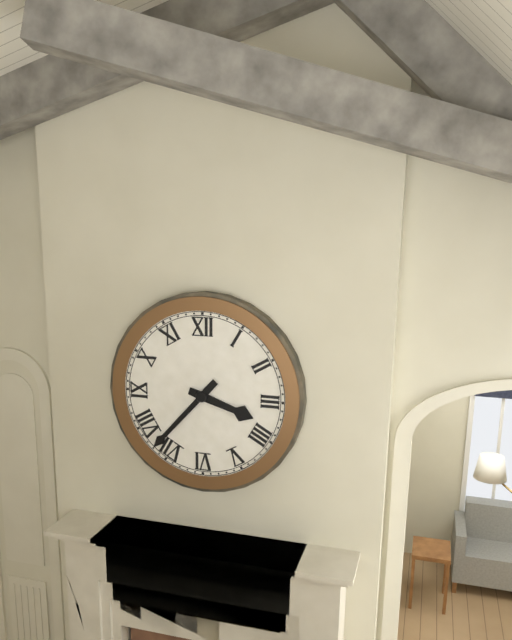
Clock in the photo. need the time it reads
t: 3:37
